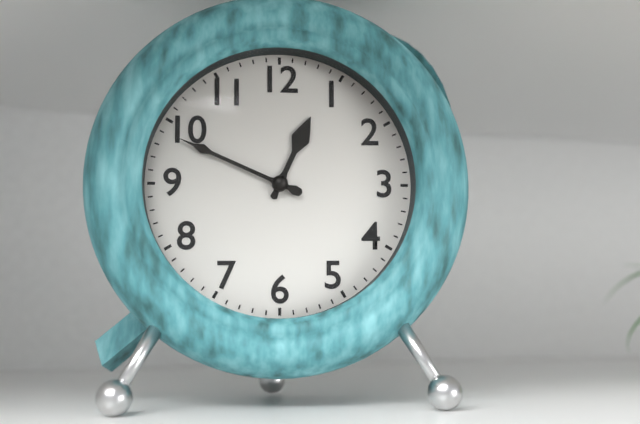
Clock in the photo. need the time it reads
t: 12:49
